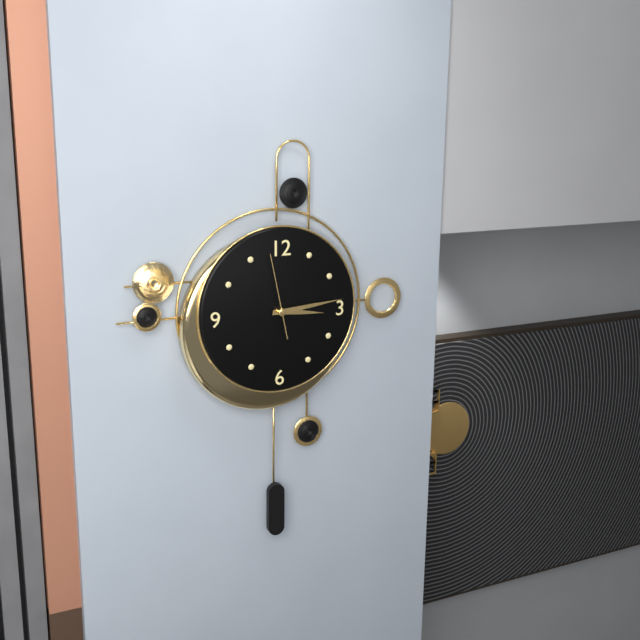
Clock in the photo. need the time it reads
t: 3:14:58
